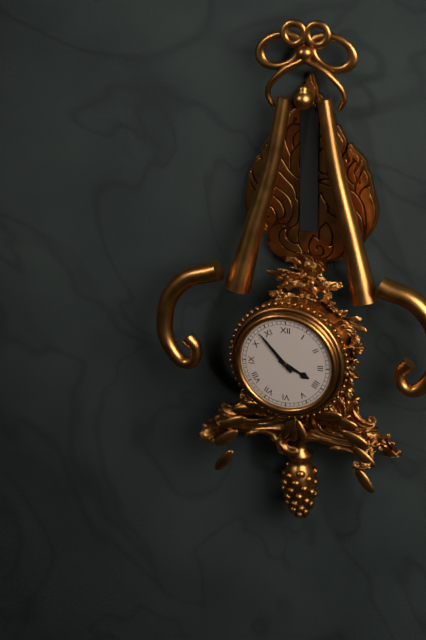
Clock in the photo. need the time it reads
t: 3:53
